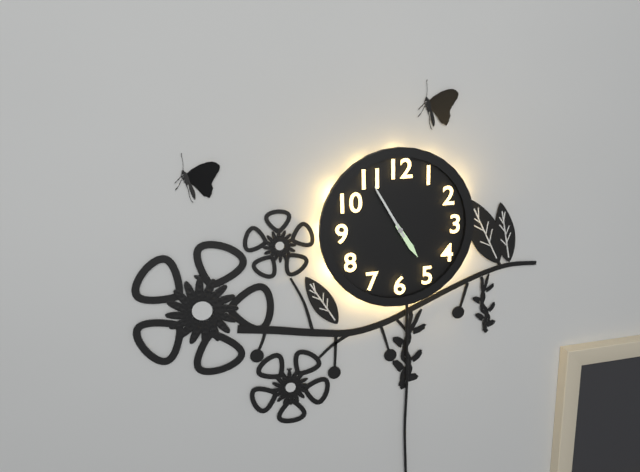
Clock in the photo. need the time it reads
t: 4:55
